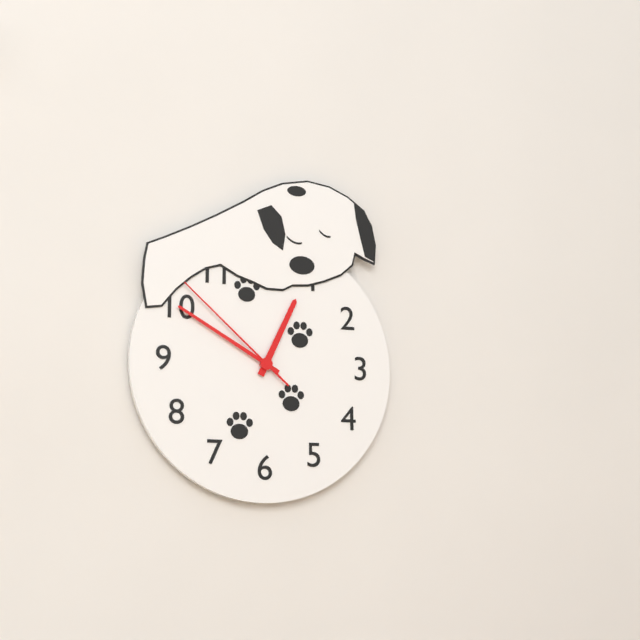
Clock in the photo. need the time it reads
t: 12:50:52
